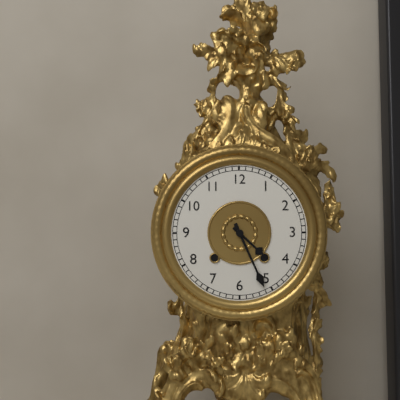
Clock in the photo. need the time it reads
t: 4:26
